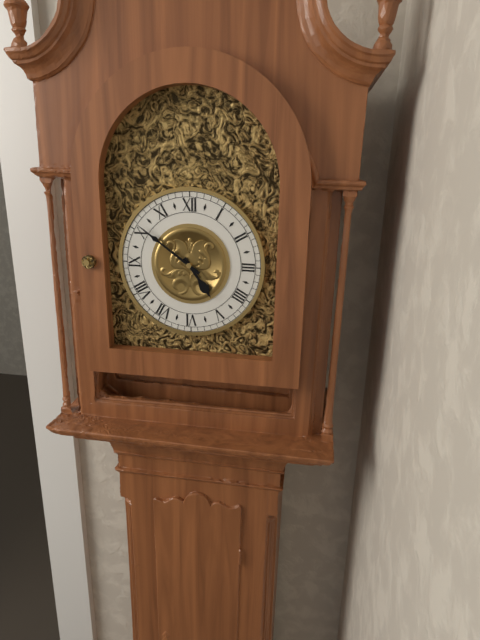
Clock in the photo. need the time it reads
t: 4:51
